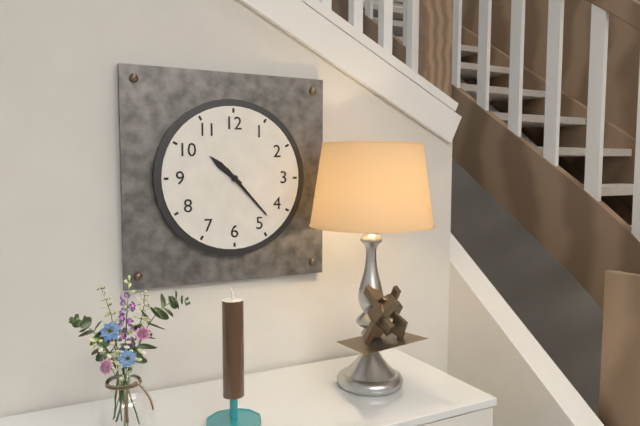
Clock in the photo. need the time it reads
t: 10:23
